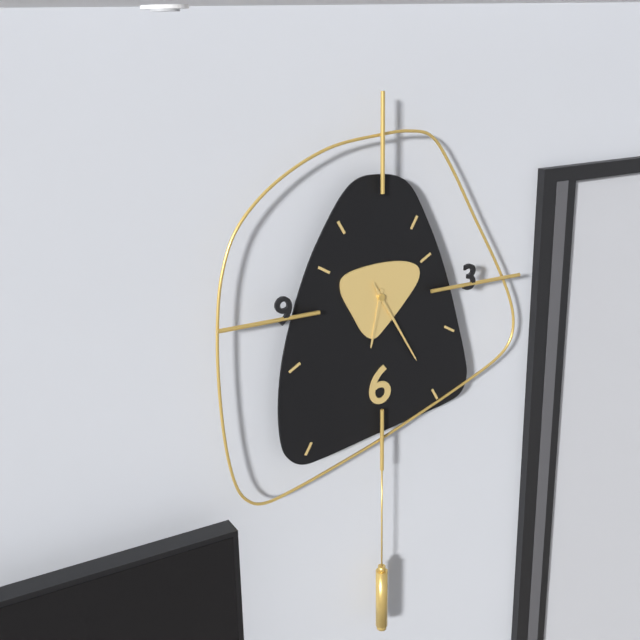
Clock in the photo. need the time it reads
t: 6:25:25
